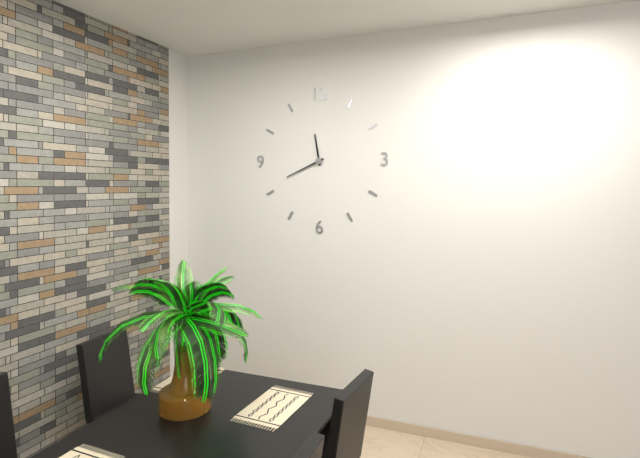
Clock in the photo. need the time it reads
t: 11:41
